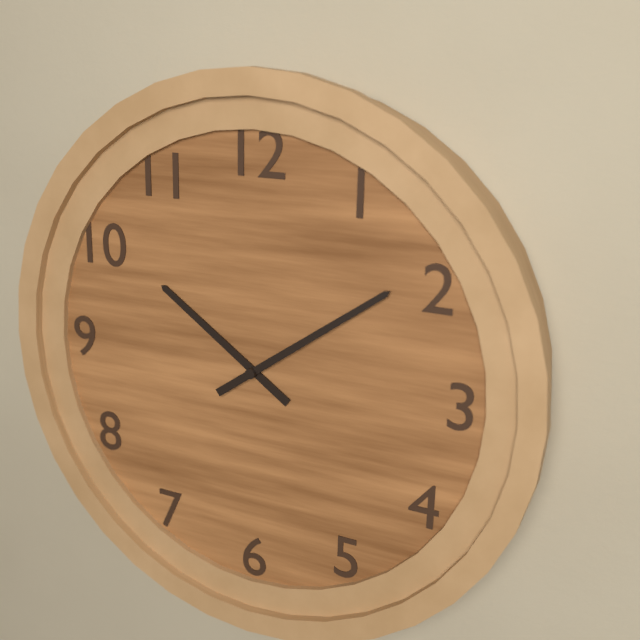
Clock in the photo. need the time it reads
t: 10:09
